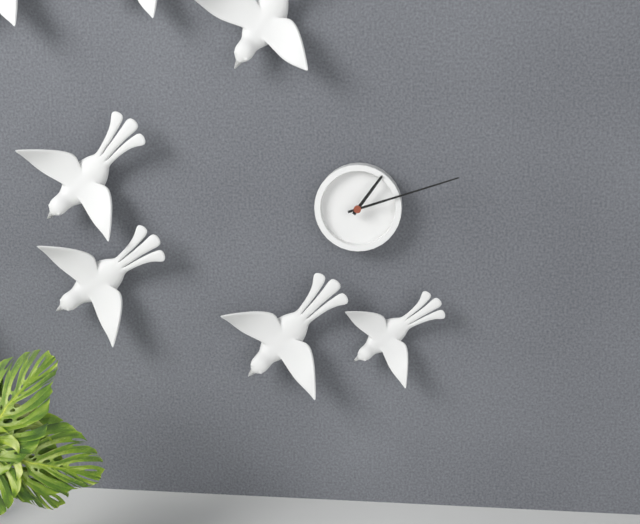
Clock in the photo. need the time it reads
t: 1:12
